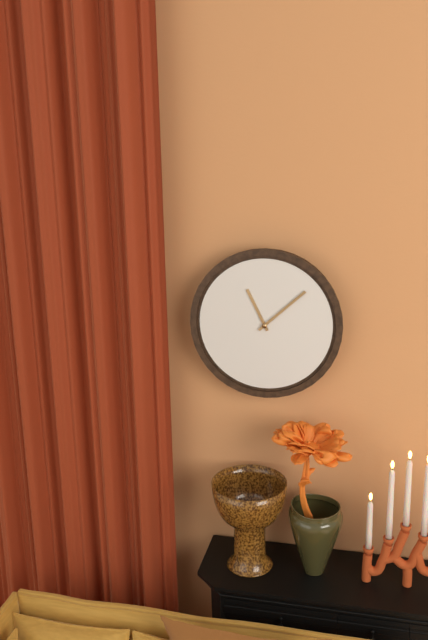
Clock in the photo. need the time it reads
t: 11:08
